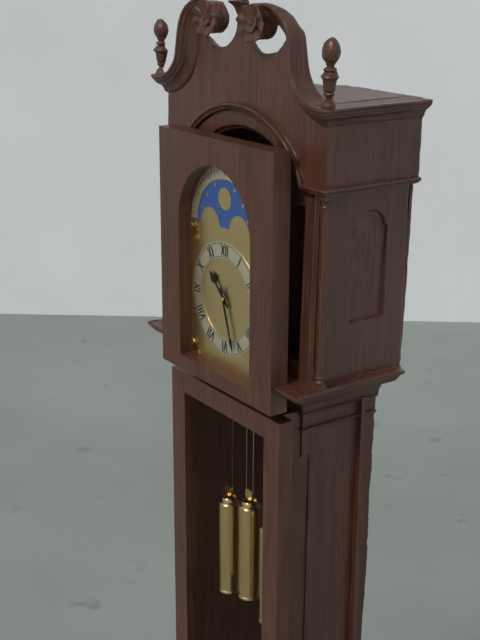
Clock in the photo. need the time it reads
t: 10:27
